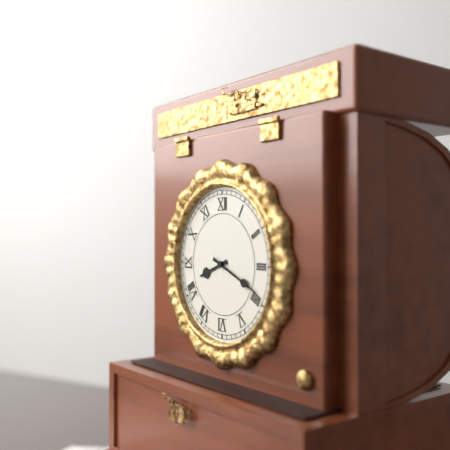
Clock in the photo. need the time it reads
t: 8:19
